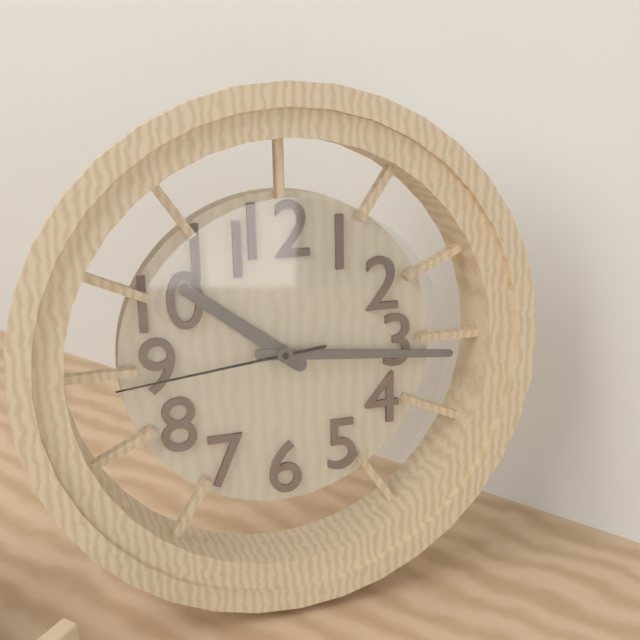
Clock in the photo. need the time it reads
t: 10:16:44
